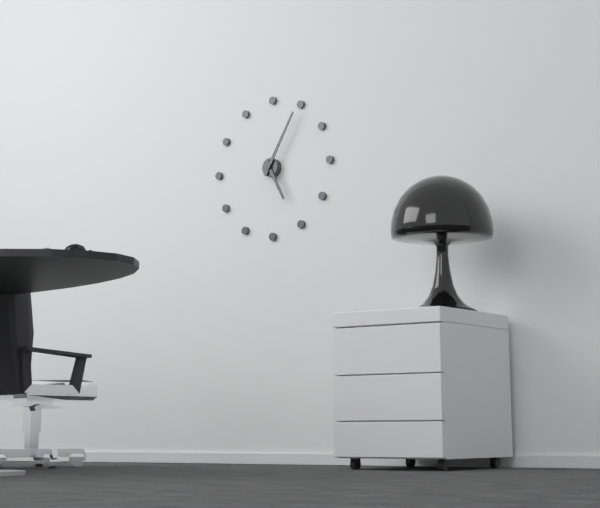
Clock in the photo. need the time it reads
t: 5:05
